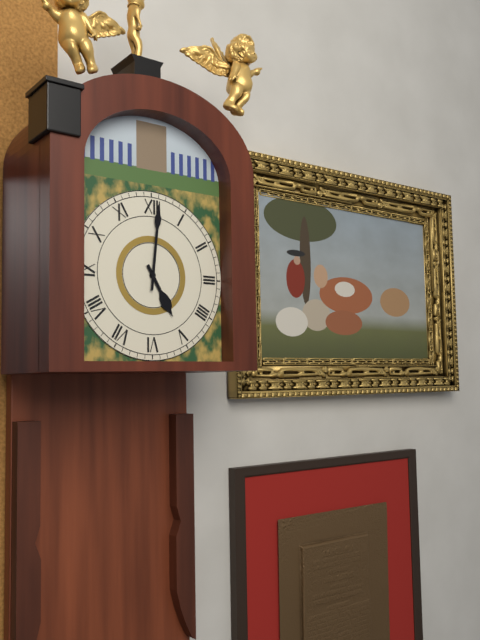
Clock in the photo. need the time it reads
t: 5:01
